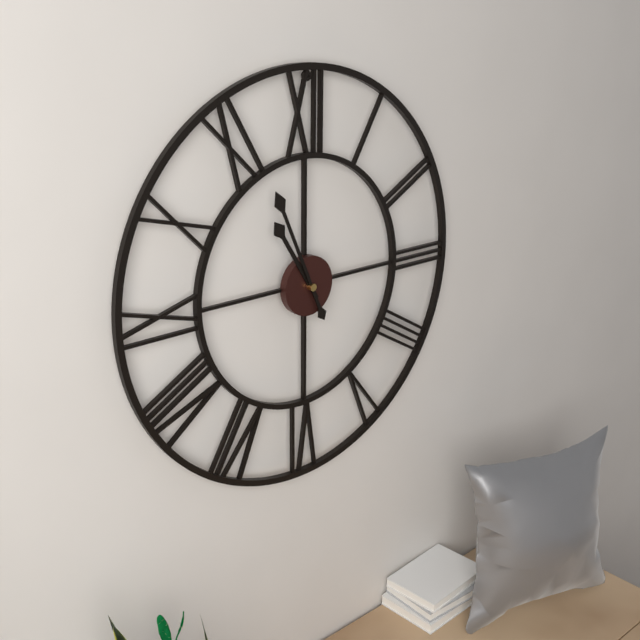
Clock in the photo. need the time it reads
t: 10:56
